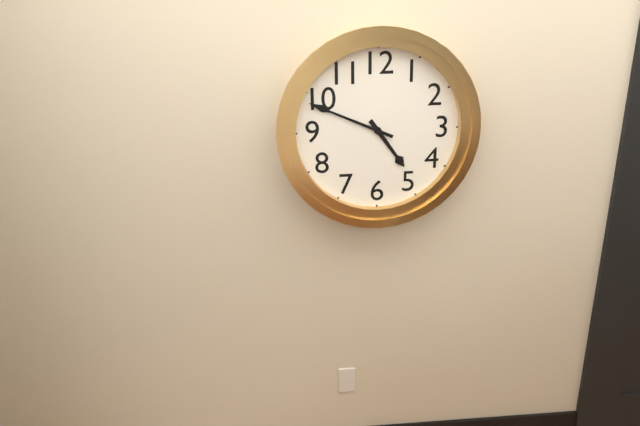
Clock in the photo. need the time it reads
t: 4:49
